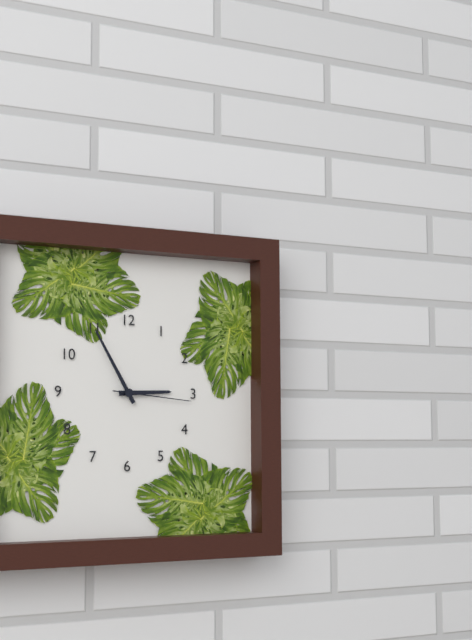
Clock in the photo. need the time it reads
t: 2:55:16
